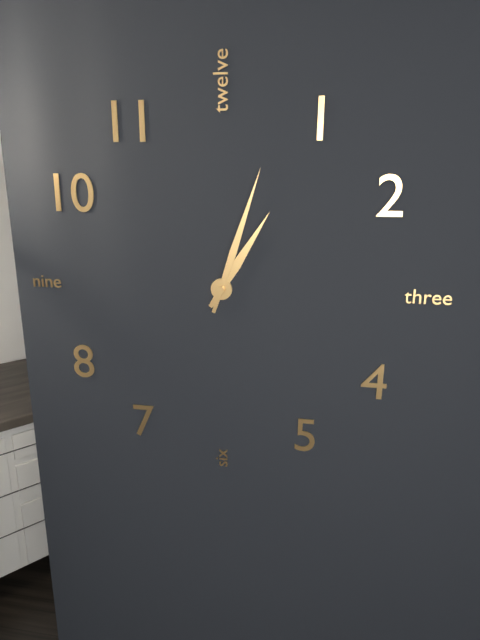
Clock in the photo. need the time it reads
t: 1:03
